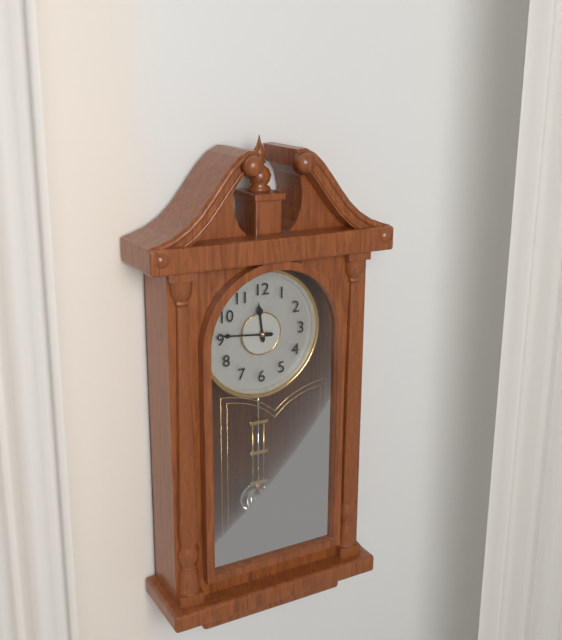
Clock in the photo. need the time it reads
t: 11:46
